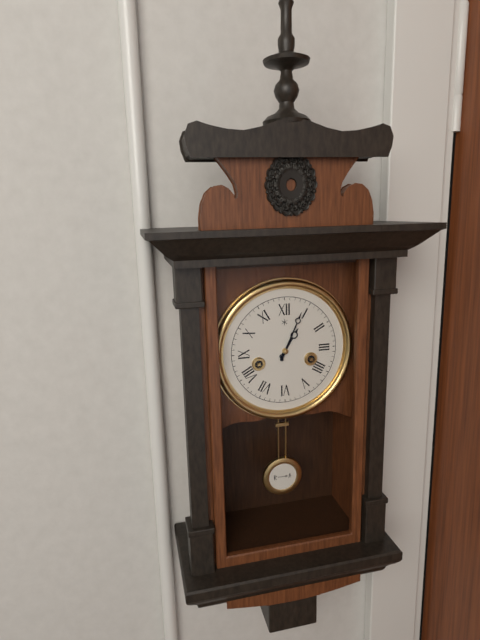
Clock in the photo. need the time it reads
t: 1:04
